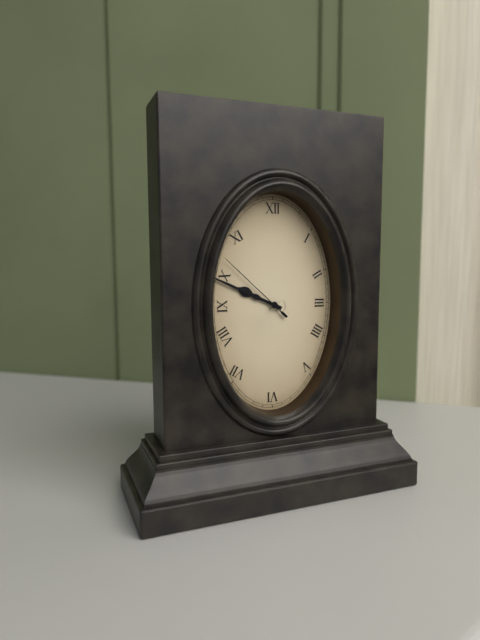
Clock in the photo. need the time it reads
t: 9:49:52
